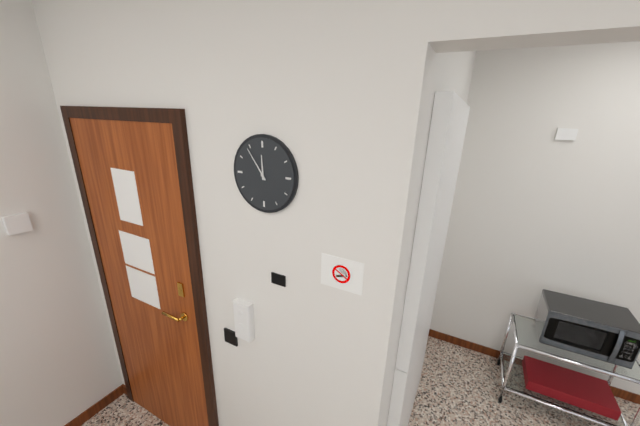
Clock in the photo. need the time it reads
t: 11:54
